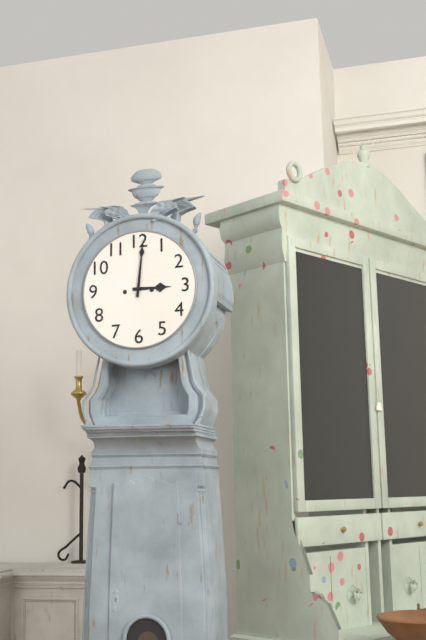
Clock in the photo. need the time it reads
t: 3:01
